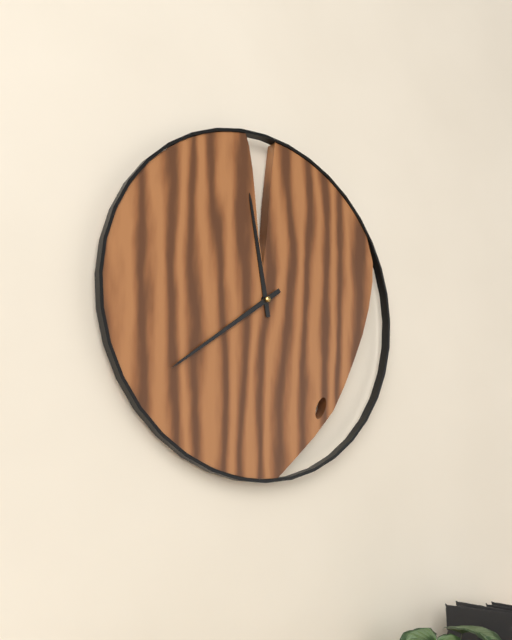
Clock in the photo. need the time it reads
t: 11:39
